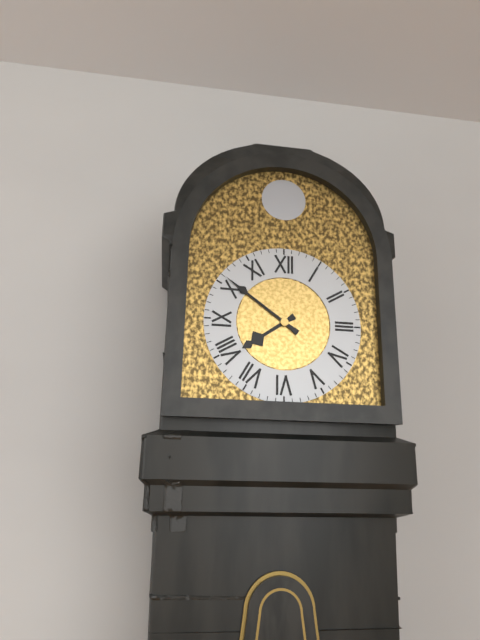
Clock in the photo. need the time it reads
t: 7:51
